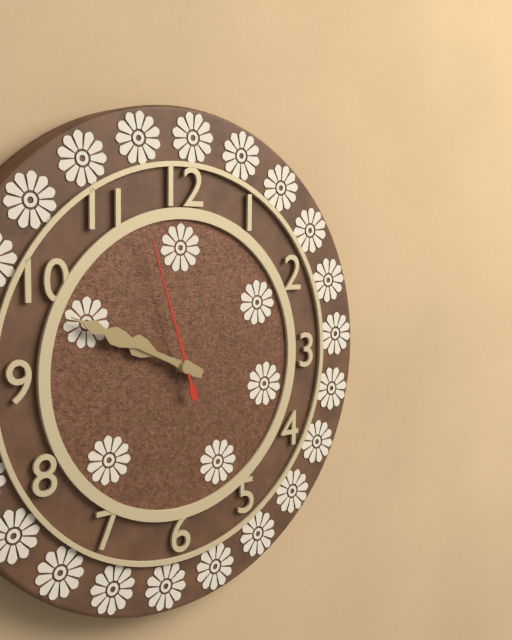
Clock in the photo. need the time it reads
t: 9:49:57
